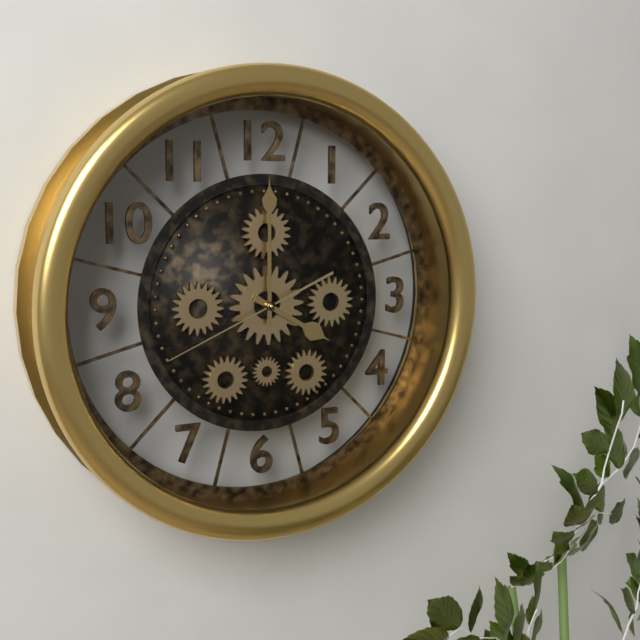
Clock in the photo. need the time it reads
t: 4:00:41
